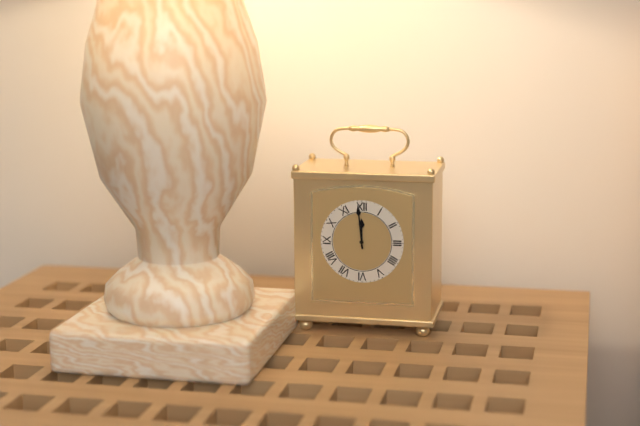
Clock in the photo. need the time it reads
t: 11:59
